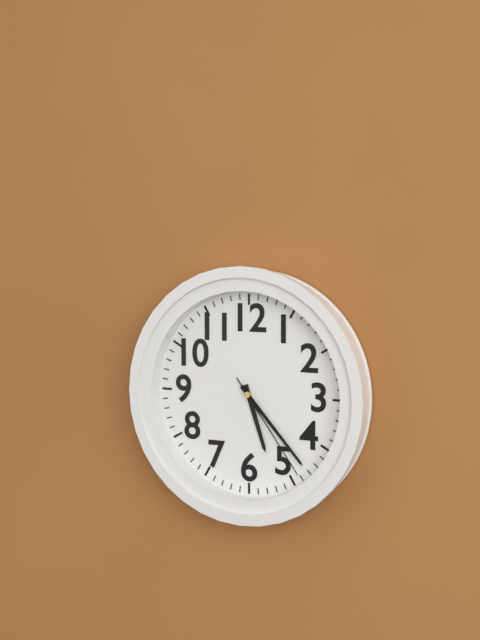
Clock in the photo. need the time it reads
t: 5:23:24
